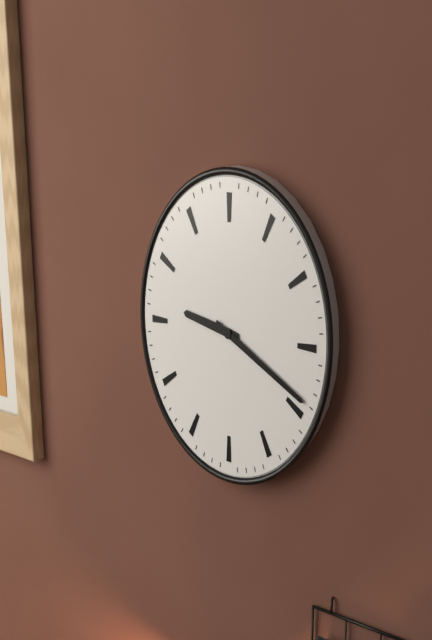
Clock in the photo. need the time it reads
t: 9:19
